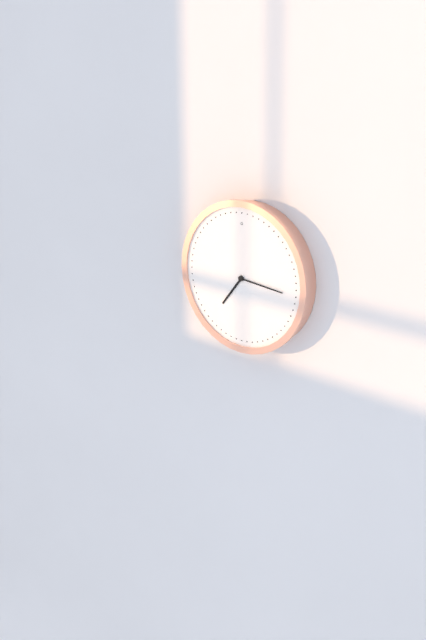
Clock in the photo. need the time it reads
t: 7:16
